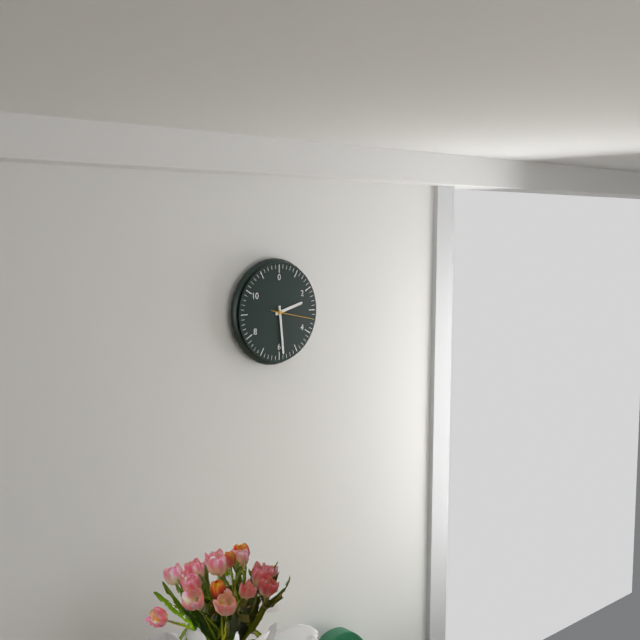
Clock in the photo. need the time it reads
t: 2:29:17
